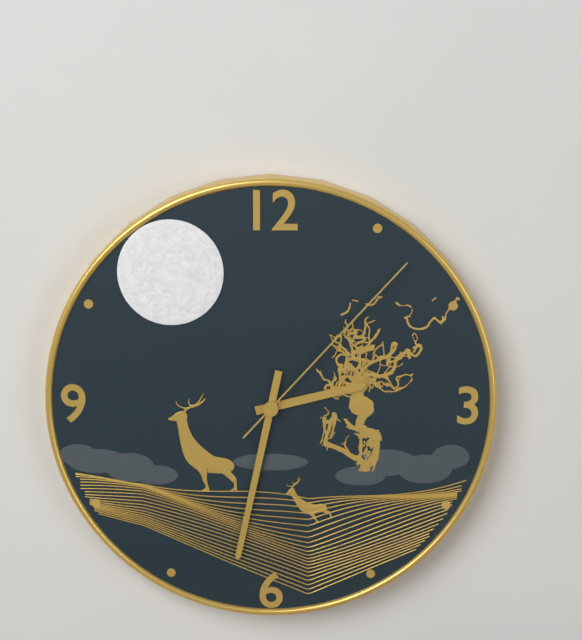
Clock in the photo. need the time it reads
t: 2:32:07
